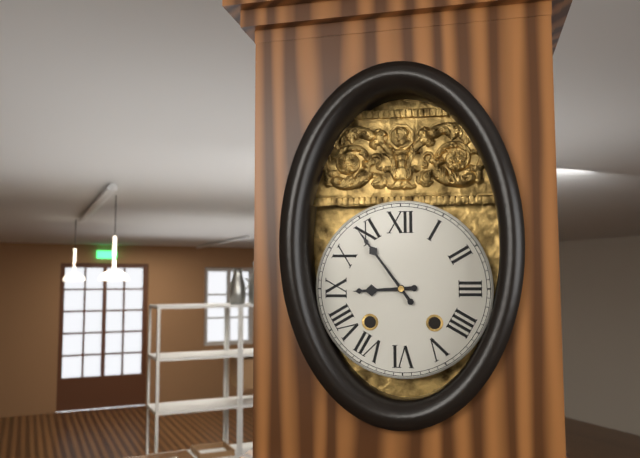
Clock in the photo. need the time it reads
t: 8:54
